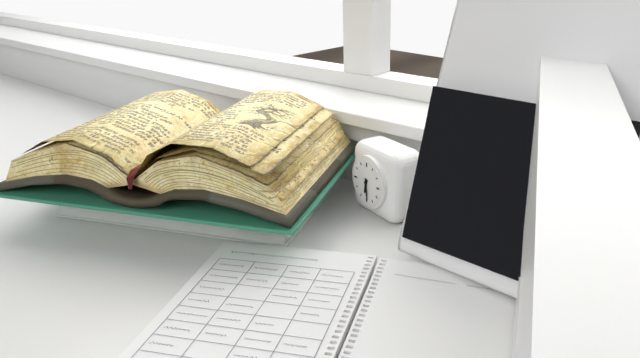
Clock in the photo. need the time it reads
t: 6:29
